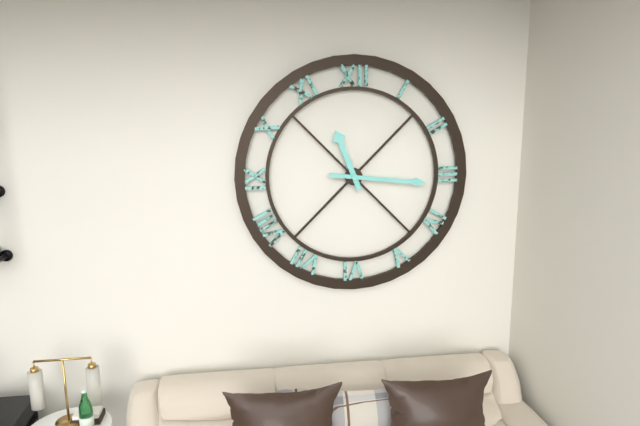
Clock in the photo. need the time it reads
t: 11:16
